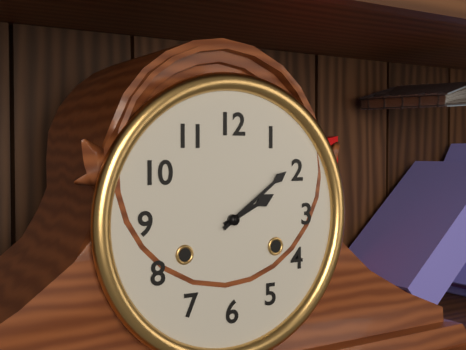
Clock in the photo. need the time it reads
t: 2:09
